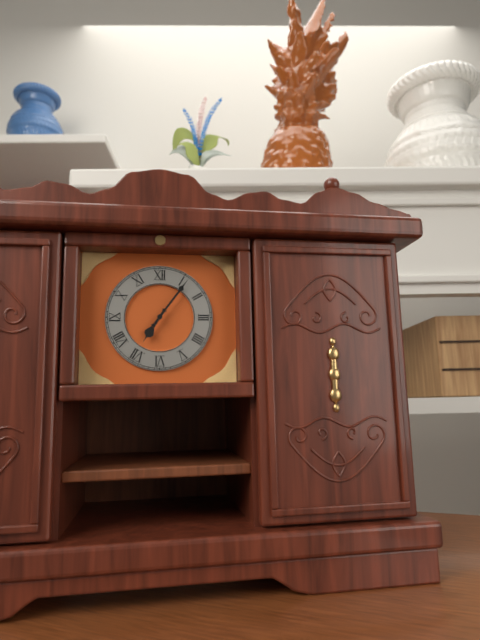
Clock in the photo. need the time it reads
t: 7:06
